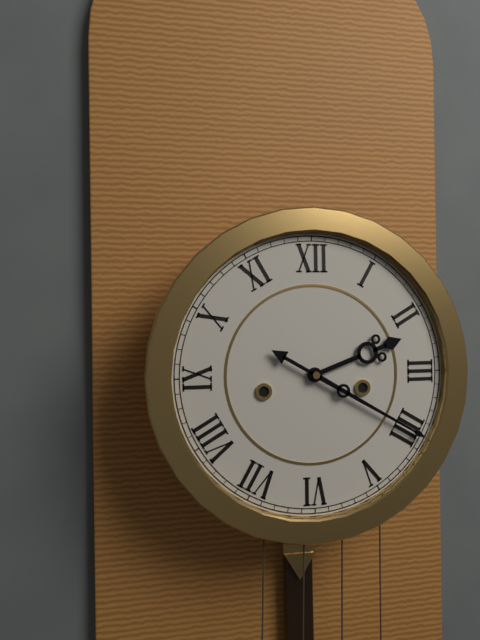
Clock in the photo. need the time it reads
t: 2:20
